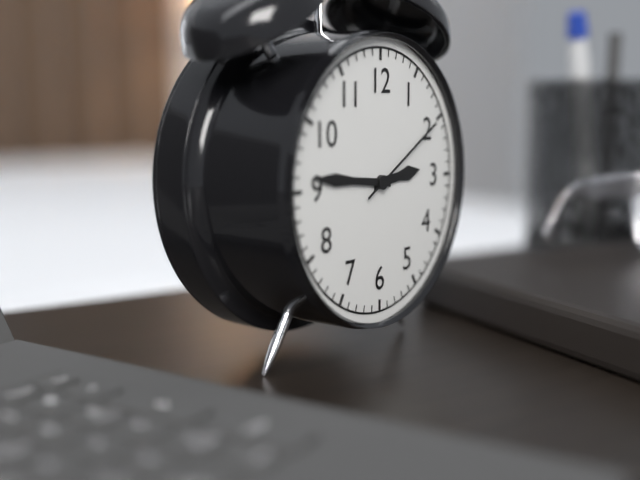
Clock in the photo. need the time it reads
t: 2:46:10
